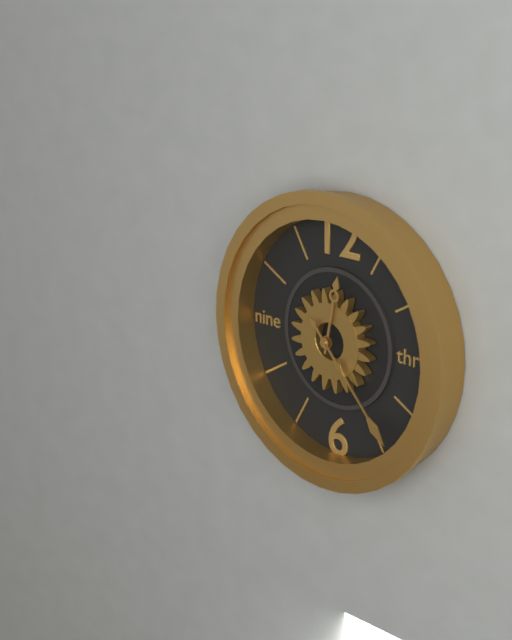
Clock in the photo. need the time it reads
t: 12:23
